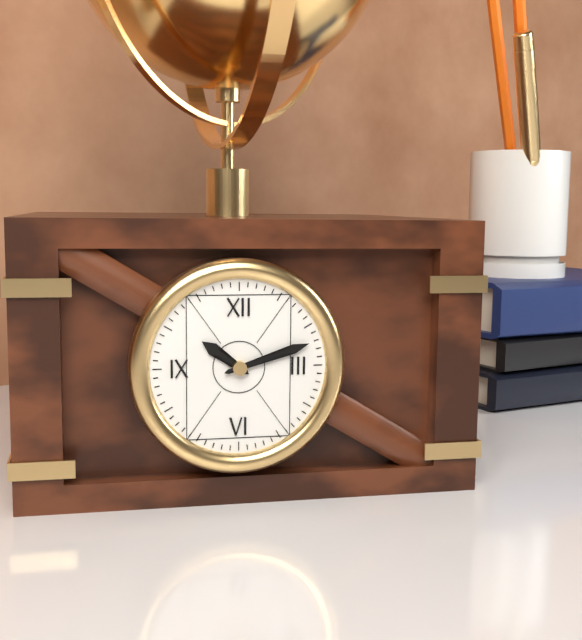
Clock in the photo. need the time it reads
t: 10:12
